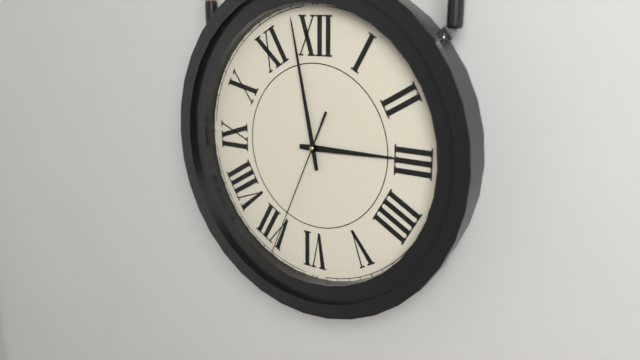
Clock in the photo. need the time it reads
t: 2:58:34
